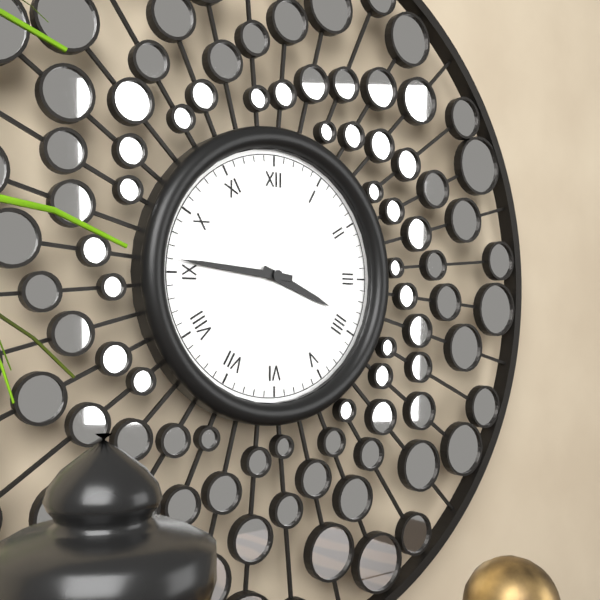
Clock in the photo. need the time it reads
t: 3:46
